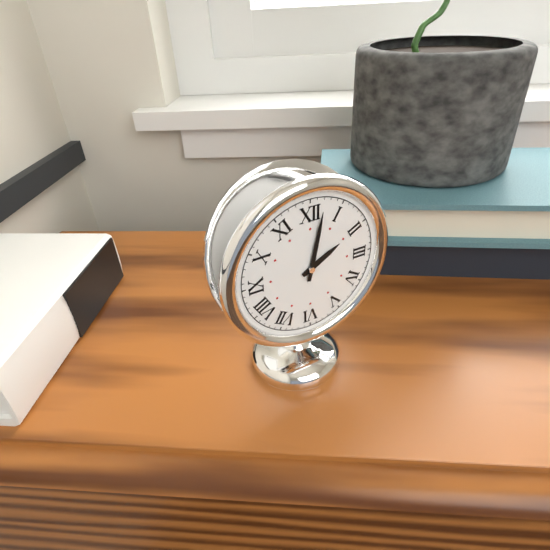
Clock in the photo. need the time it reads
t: 2:02
